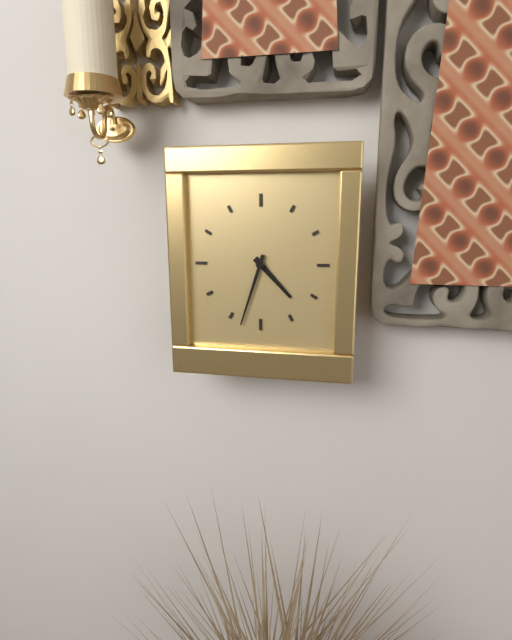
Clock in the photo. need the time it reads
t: 4:33
